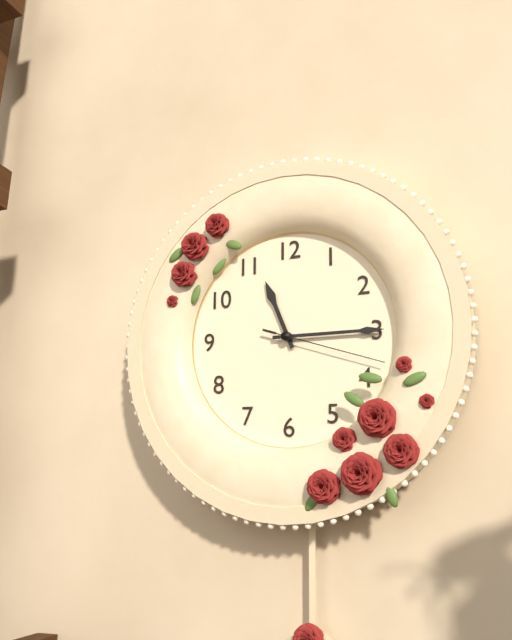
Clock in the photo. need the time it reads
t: 11:15:18
